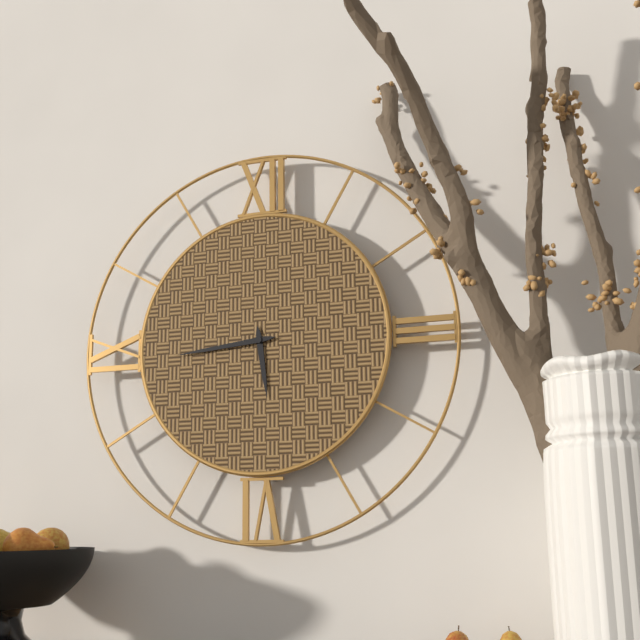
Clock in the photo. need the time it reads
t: 5:44
